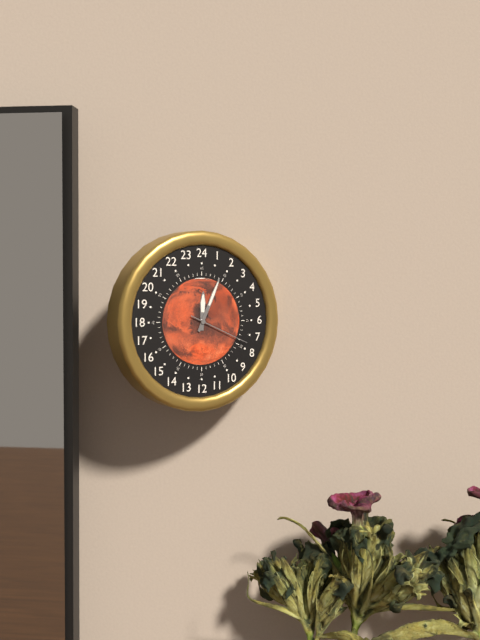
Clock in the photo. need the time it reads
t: 12:04:19
